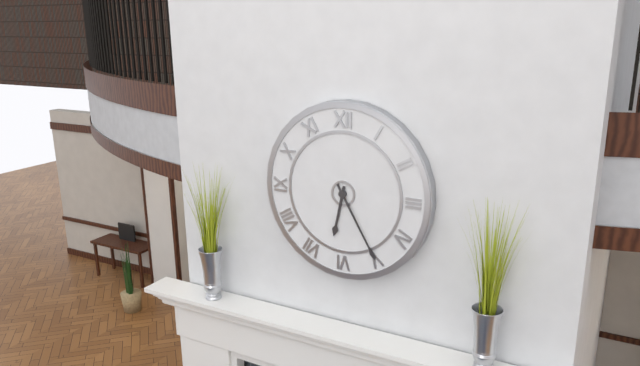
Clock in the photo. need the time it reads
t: 6:25
